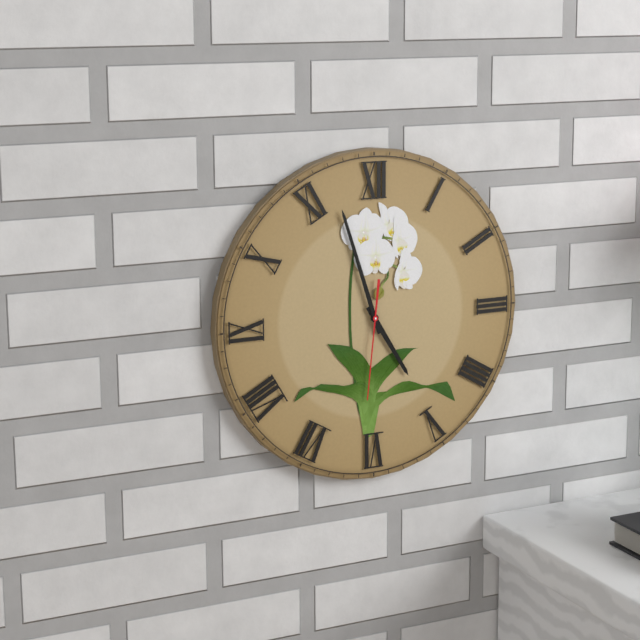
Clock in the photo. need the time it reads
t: 4:57:31
